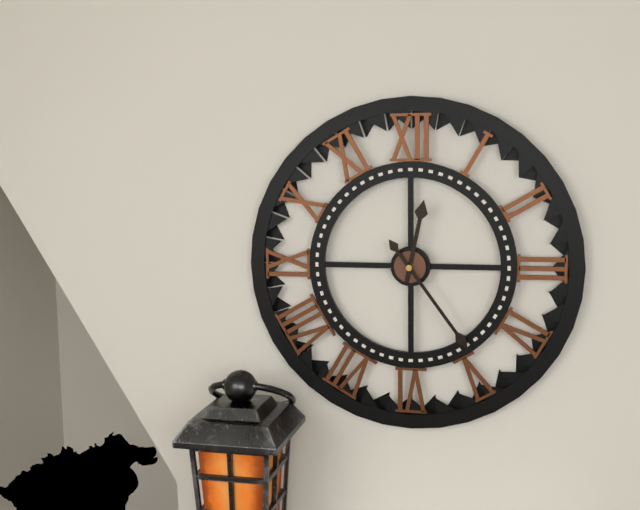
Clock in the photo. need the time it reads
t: 12:24
